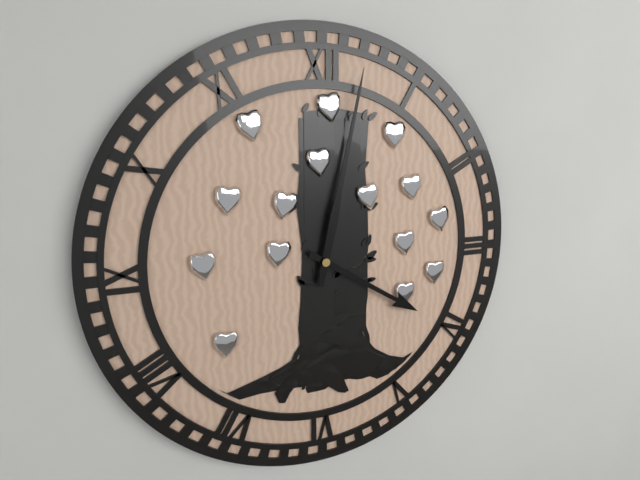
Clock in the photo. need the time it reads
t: 4:02
